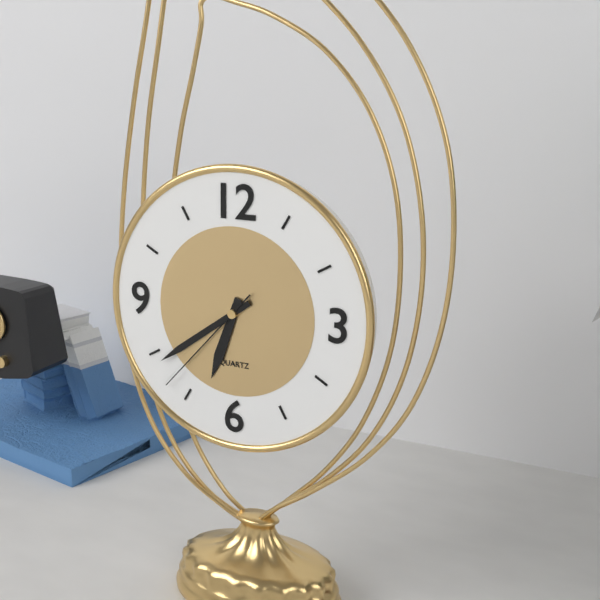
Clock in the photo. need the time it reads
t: 6:39:37
